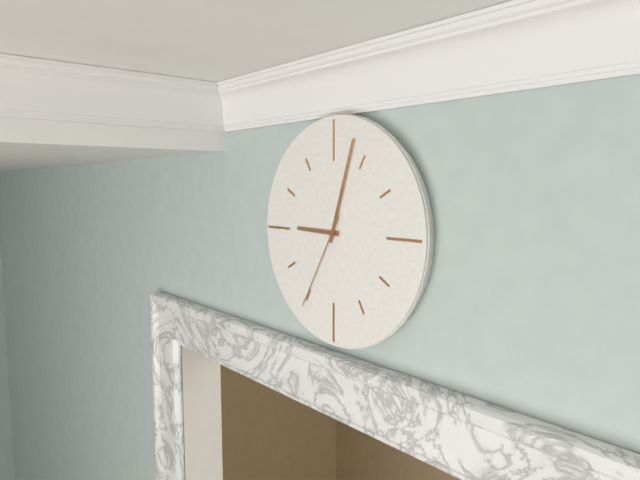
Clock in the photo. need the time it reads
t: 9:03:35
